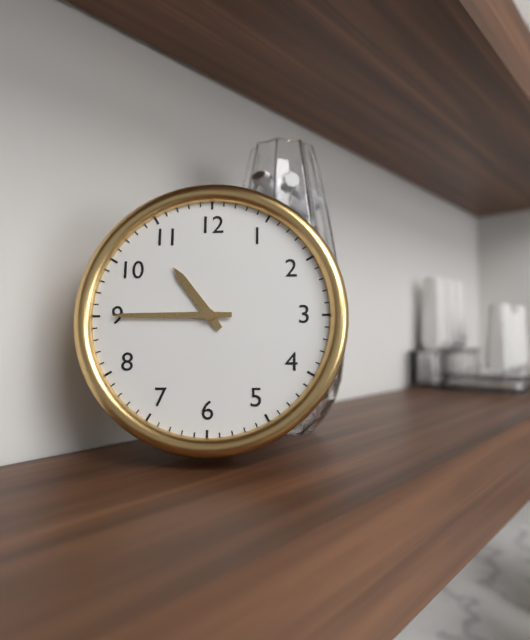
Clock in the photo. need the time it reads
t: 10:45
